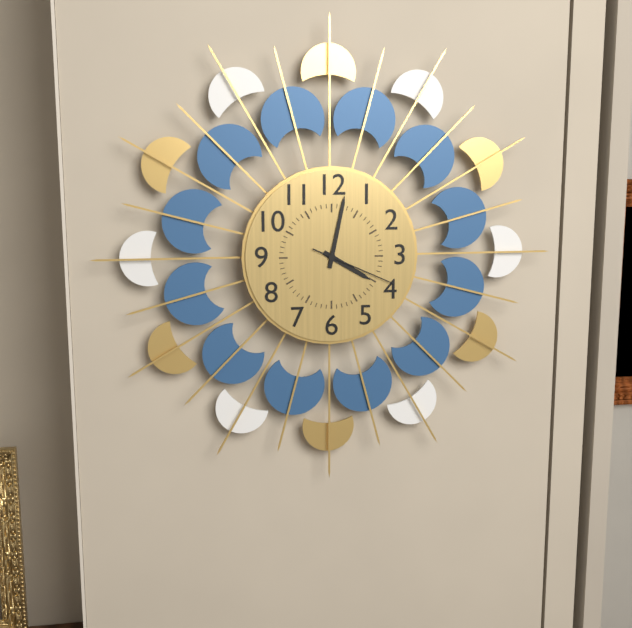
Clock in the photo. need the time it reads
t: 4:02:19
